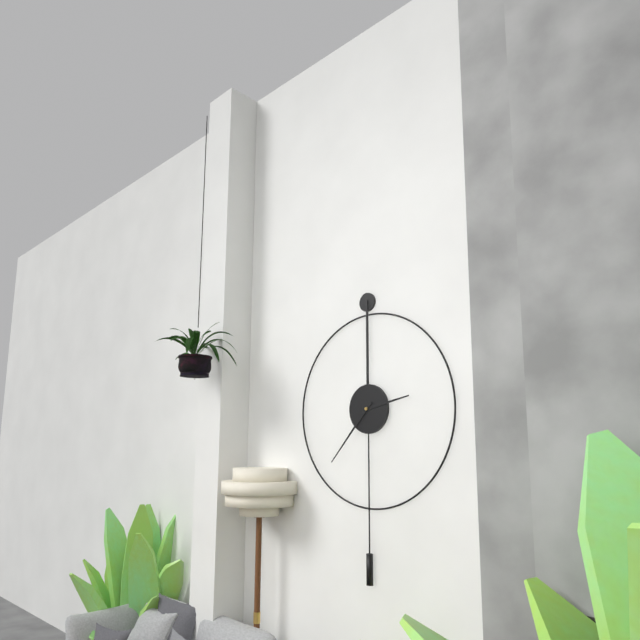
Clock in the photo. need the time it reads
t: 2:37
